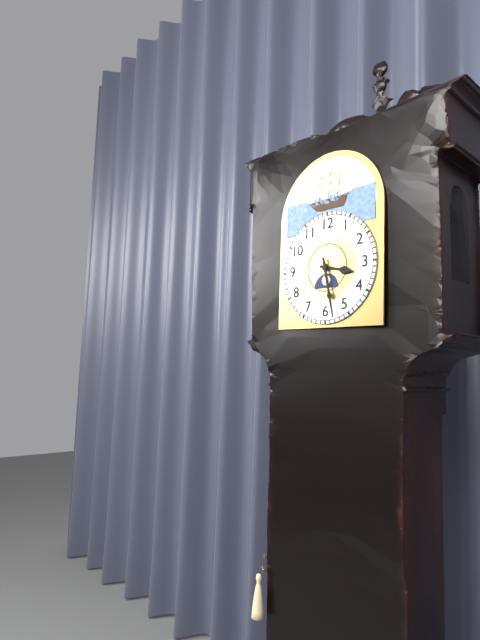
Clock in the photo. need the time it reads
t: 3:28
